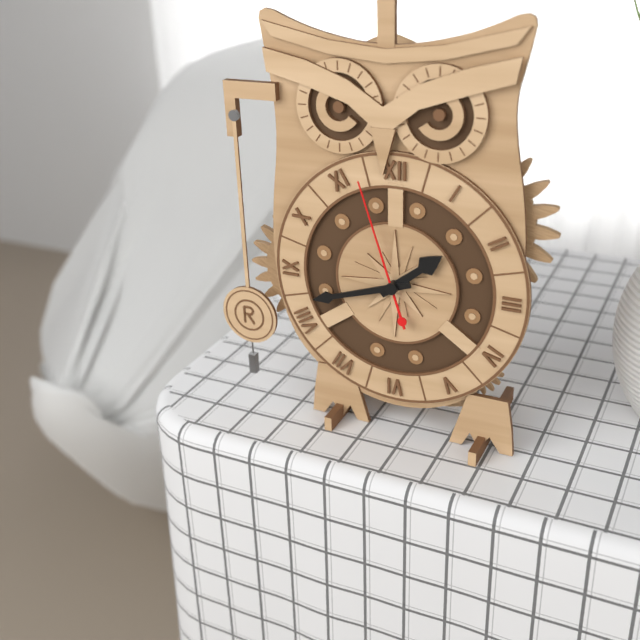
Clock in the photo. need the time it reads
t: 1:42:57
